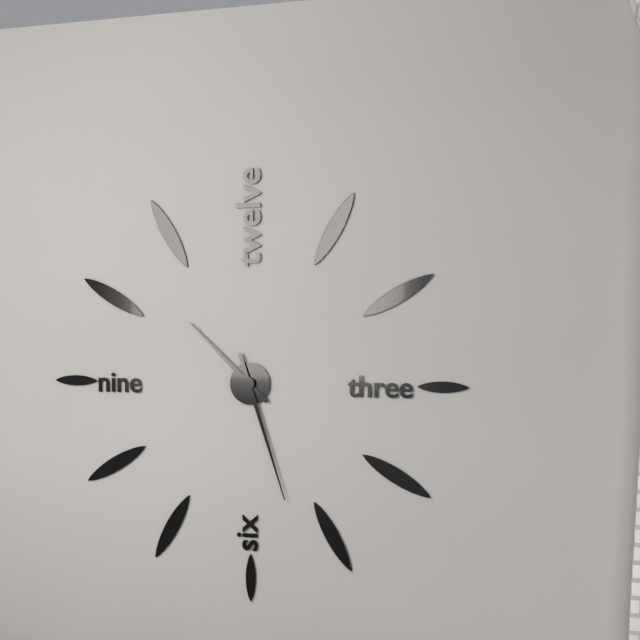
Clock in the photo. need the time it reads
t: 10:27
